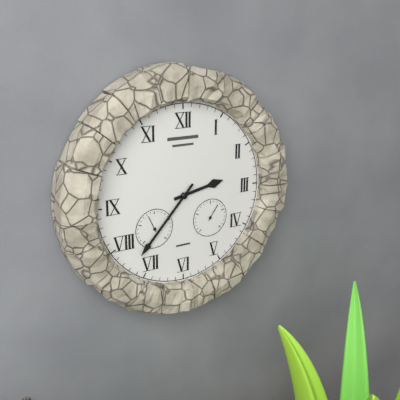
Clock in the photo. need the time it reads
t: 2:37
